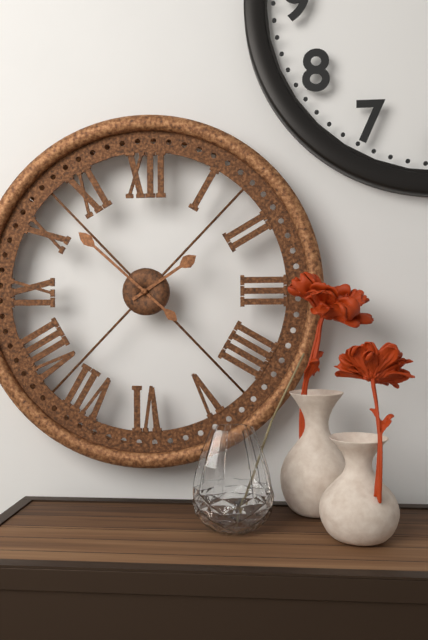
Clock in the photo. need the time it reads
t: 1:52
